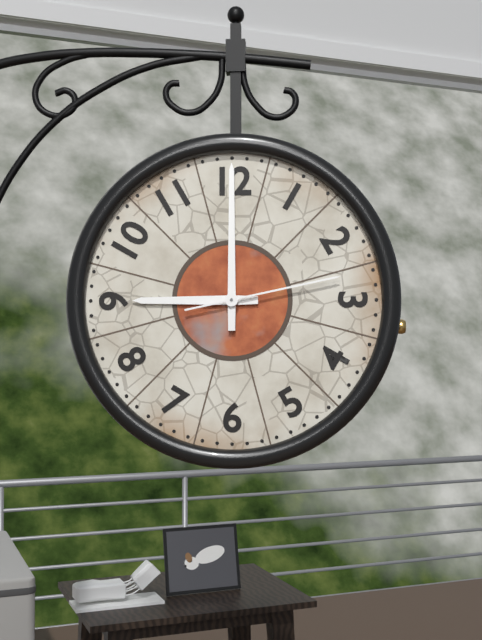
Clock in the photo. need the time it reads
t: 9:00:13
